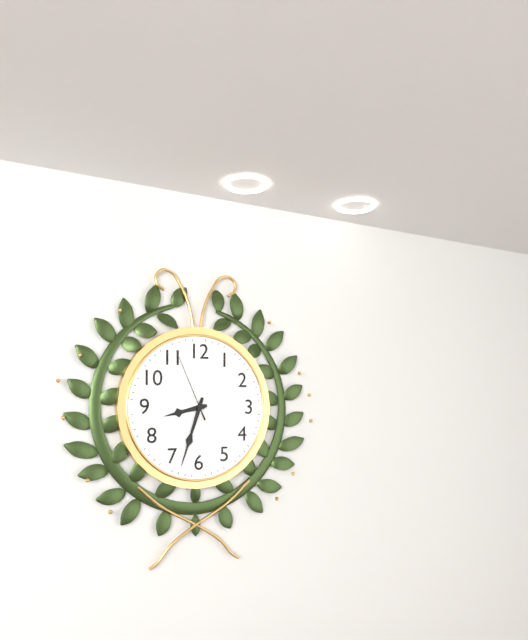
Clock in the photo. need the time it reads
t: 8:33:56
